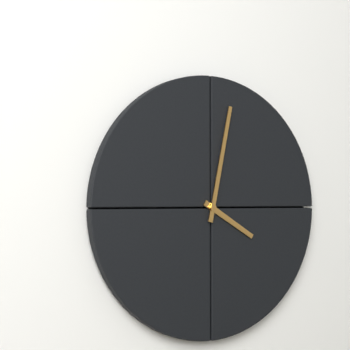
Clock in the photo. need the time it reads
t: 4:02
